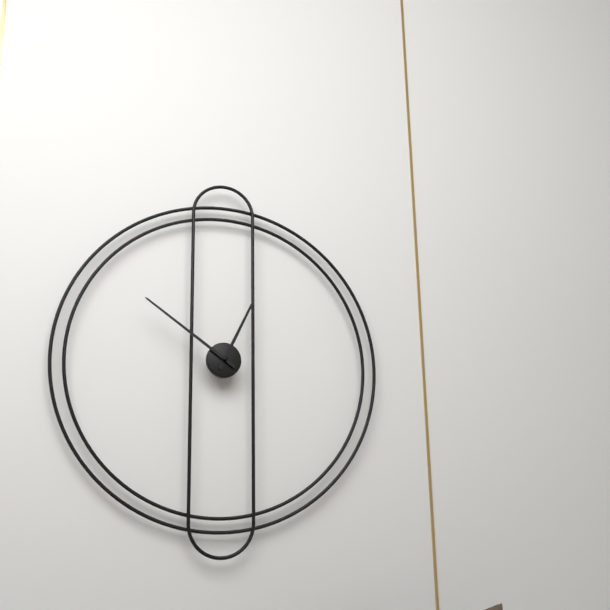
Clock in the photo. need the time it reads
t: 12:51
